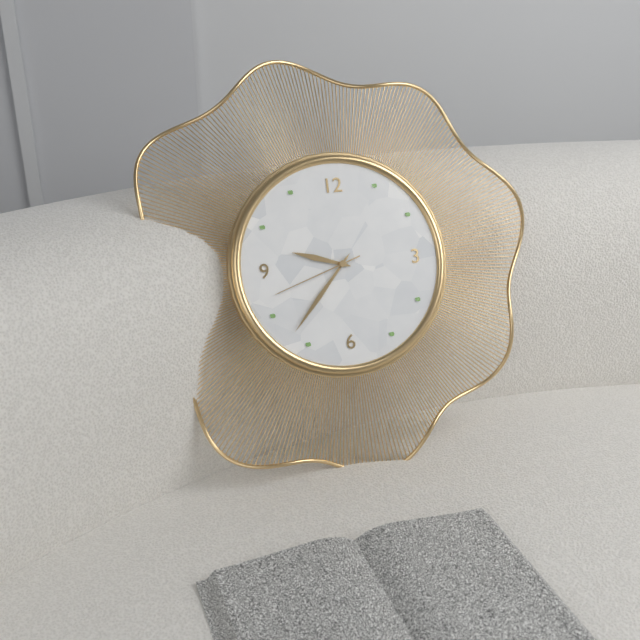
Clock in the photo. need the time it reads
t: 9:37:42
